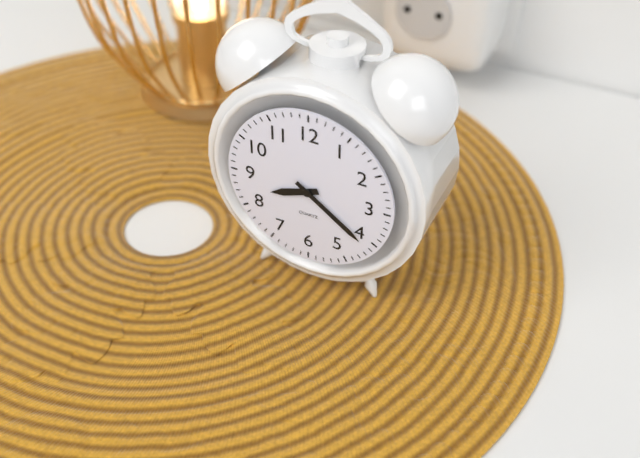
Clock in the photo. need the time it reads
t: 8:21
